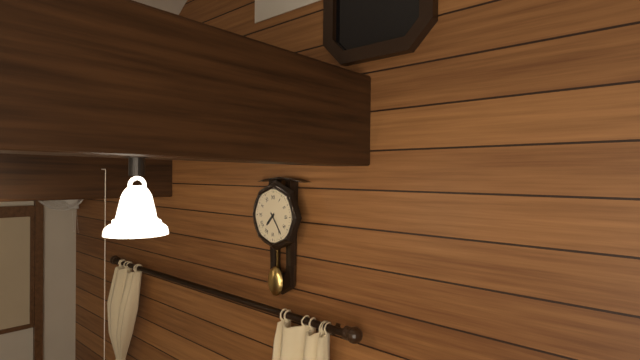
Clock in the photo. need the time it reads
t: 7:24
